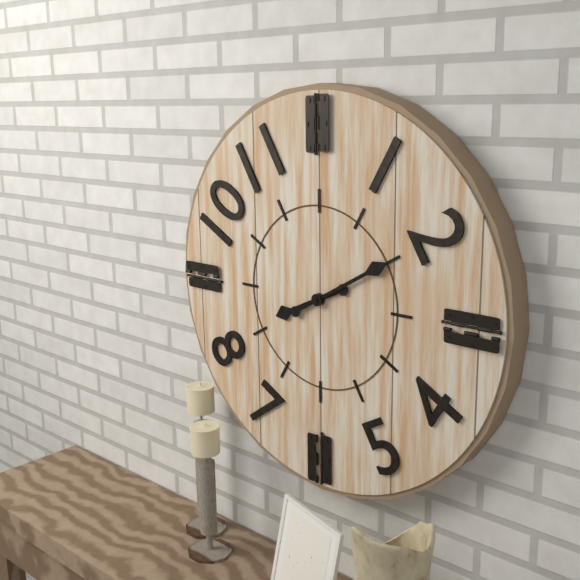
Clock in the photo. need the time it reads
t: 8:10
